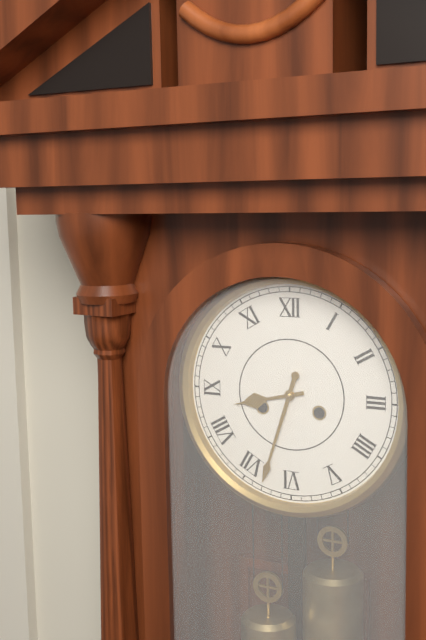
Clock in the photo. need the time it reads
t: 8:33
